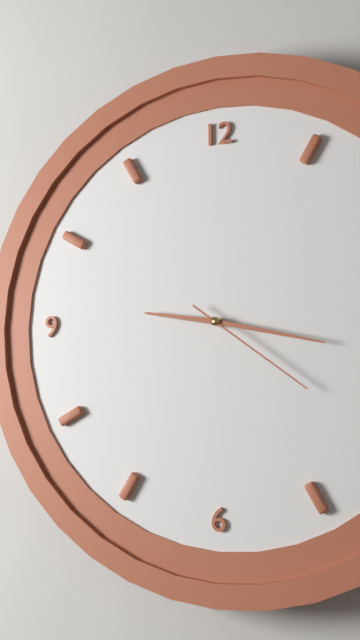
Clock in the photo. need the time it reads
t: 9:17:21
